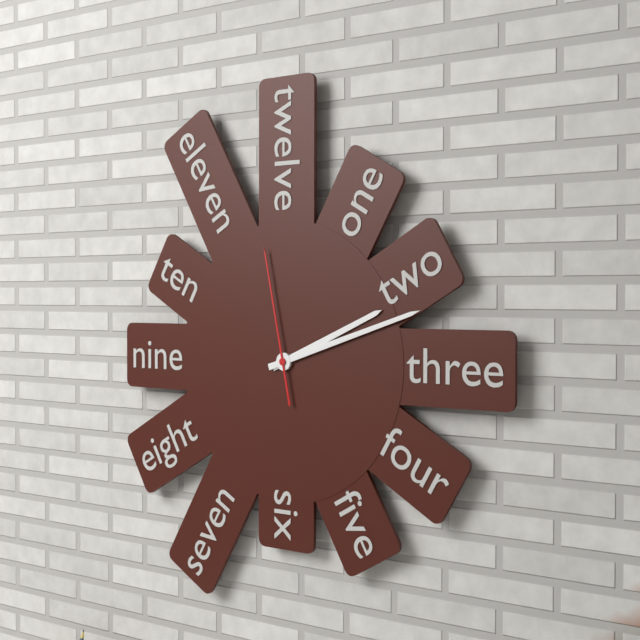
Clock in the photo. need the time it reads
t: 2:12:58
